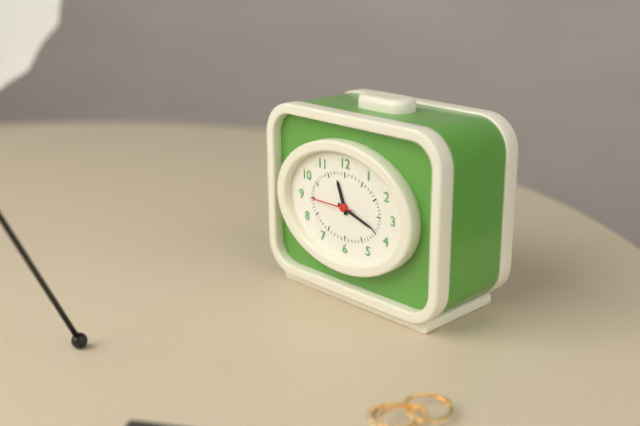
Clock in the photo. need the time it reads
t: 11:18
